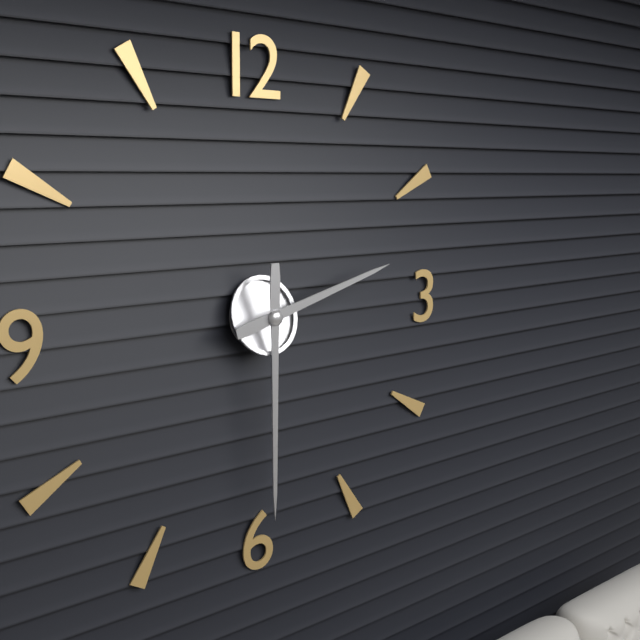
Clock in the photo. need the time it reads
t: 2:30
